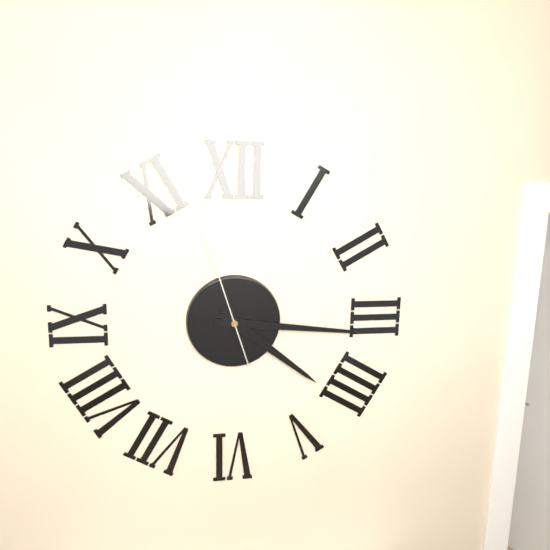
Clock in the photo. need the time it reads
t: 4:16:57
